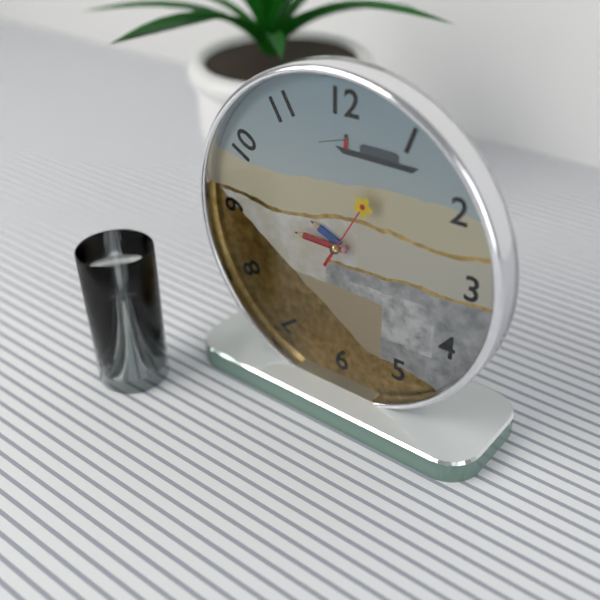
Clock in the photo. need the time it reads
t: 9:45:05
